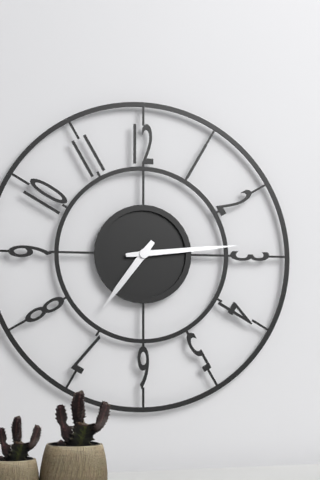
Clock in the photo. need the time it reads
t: 7:14
